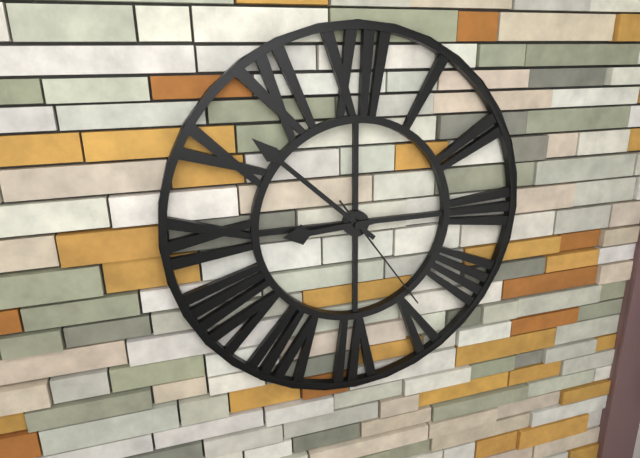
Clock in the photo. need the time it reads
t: 8:52:24
